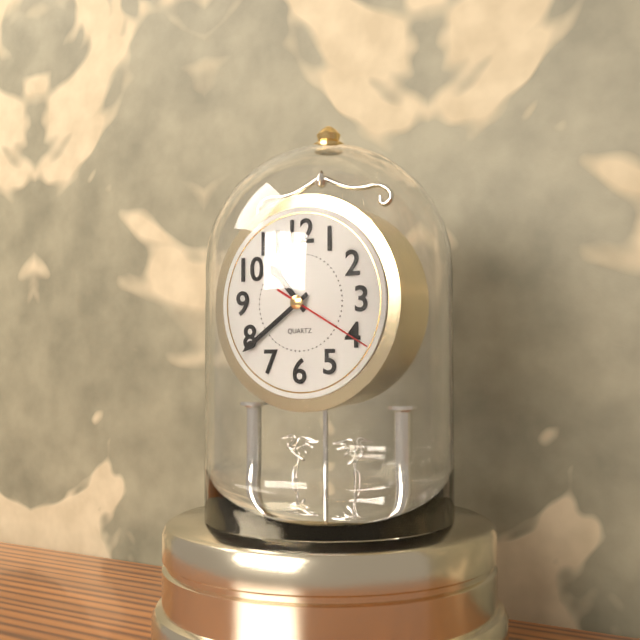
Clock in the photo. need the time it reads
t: 10:39:20
